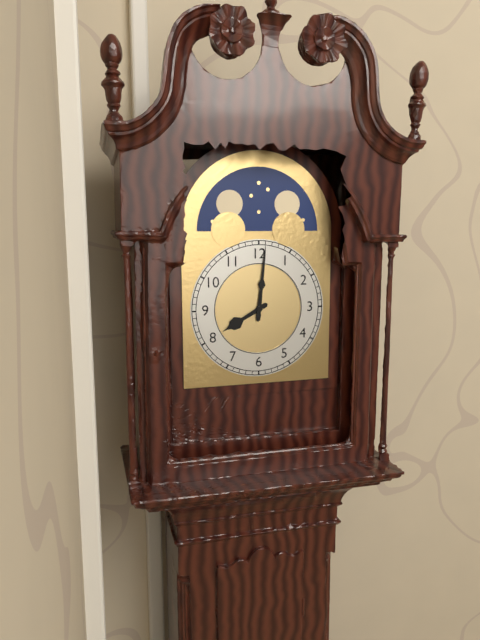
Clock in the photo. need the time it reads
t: 8:01
